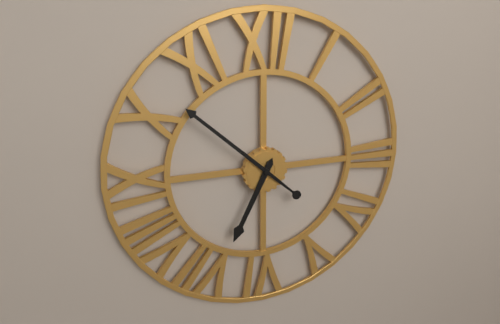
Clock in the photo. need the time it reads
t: 6:52
